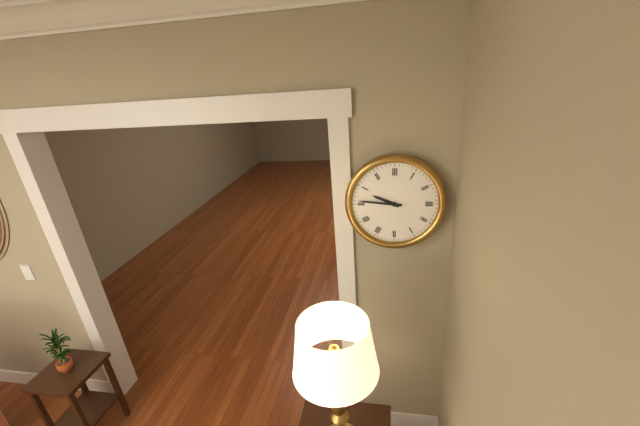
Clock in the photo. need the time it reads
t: 9:46
